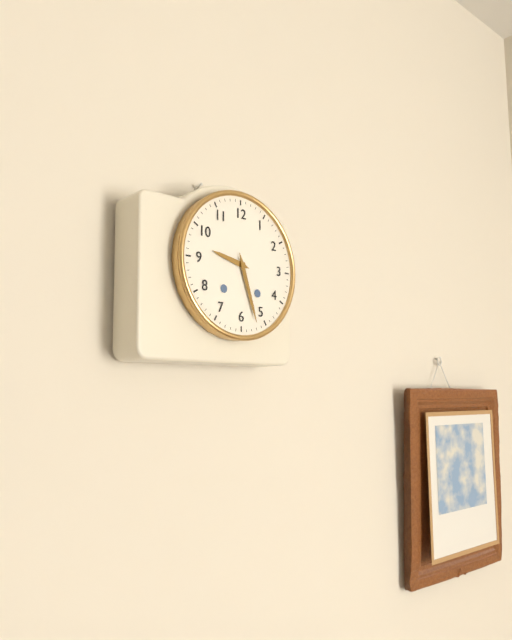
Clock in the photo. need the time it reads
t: 9:27
